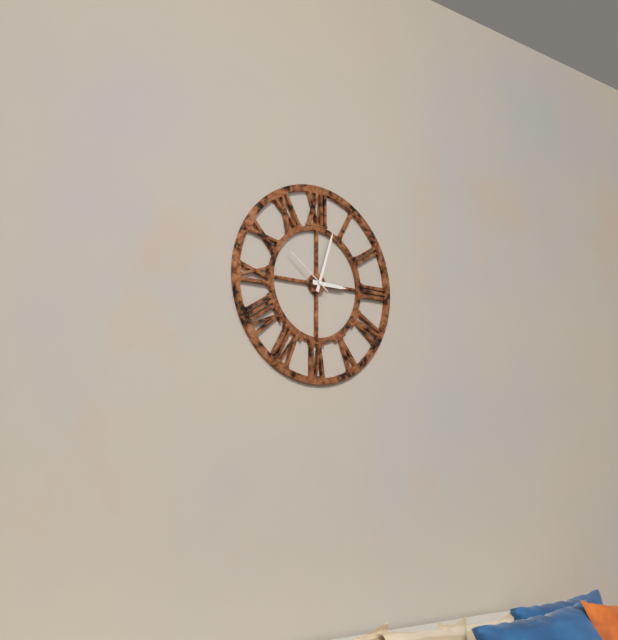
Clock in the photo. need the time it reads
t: 3:03:51
